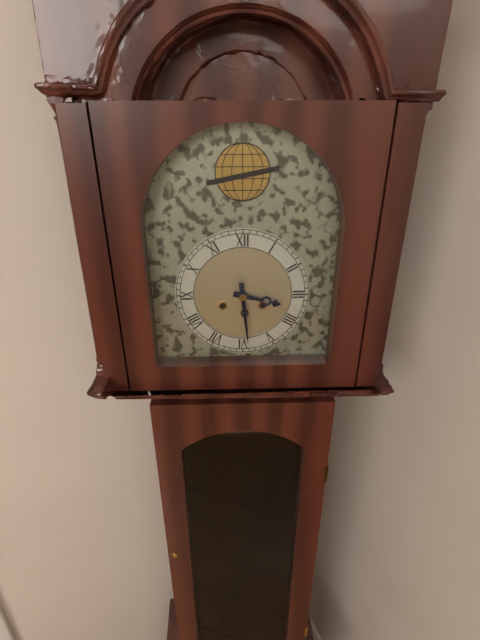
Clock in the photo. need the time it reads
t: 3:29
